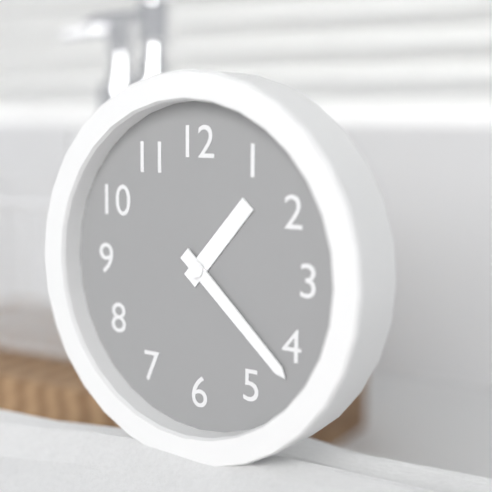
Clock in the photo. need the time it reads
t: 1:22
